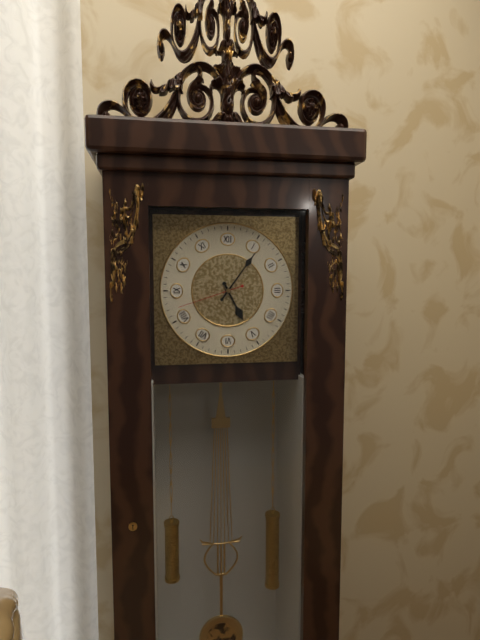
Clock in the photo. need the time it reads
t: 5:06:42
